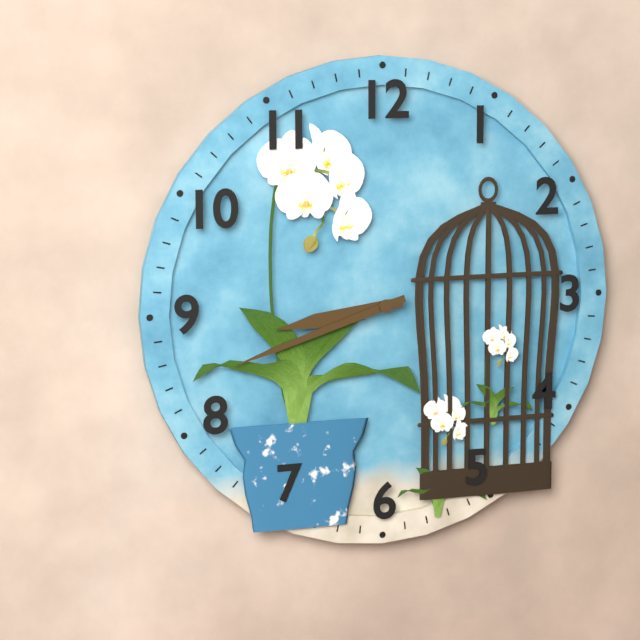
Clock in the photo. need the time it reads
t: 8:42
